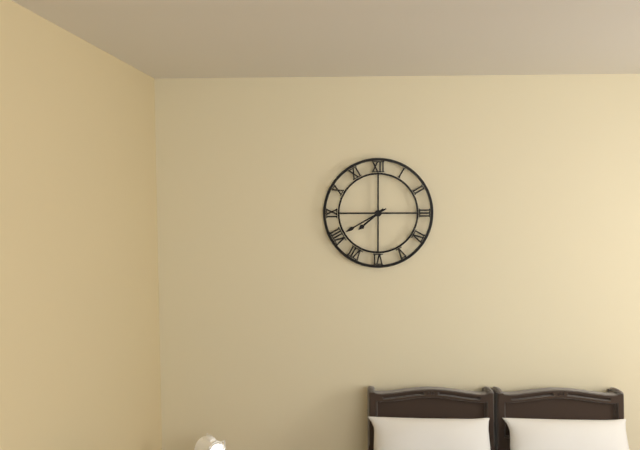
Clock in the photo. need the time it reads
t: 7:40
